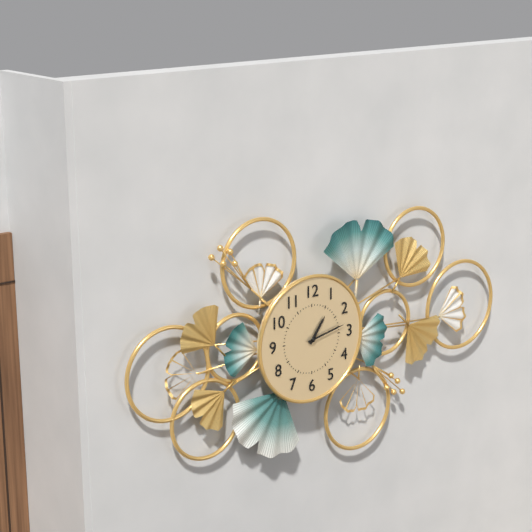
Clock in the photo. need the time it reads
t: 1:13
